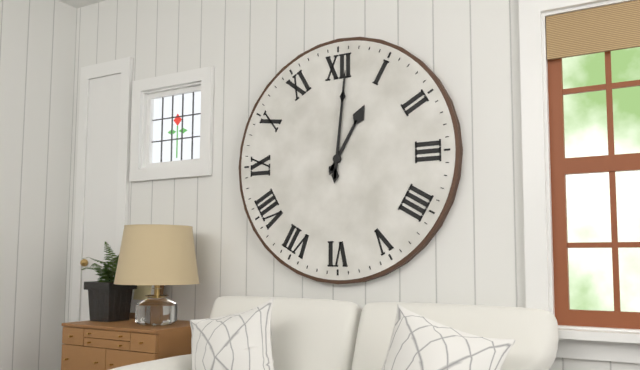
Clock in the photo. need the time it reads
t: 1:01
